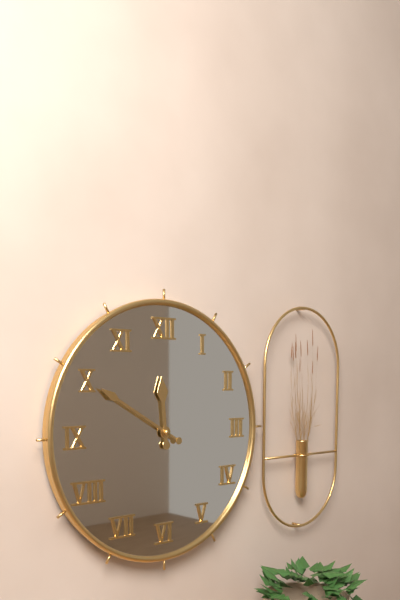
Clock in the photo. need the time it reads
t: 11:50
